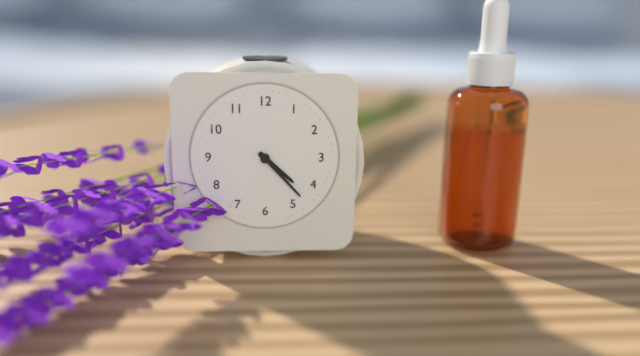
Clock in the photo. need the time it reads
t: 4:23
